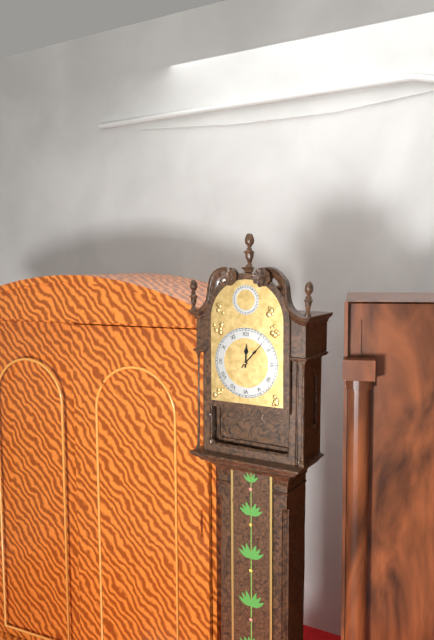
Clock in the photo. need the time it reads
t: 12:07
